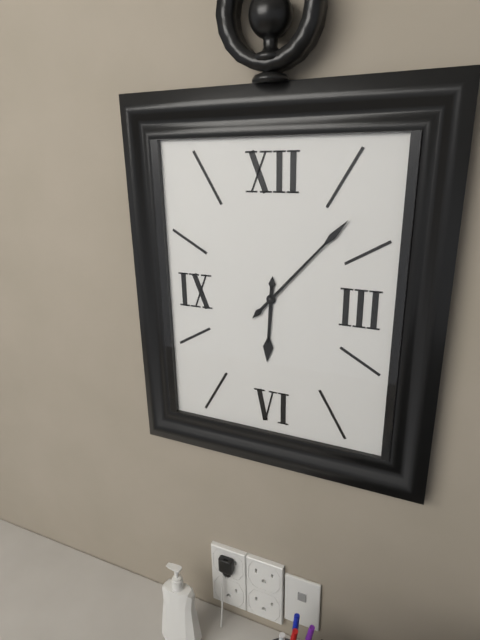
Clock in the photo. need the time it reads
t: 6:07
